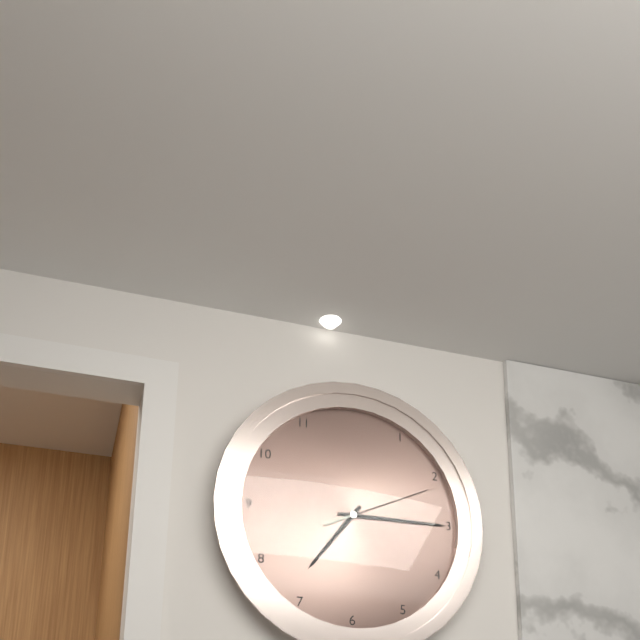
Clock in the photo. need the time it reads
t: 7:15:11
